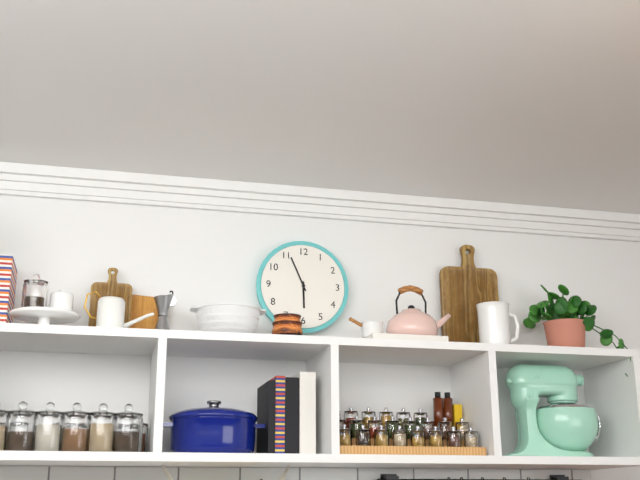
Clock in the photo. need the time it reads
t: 5:56
